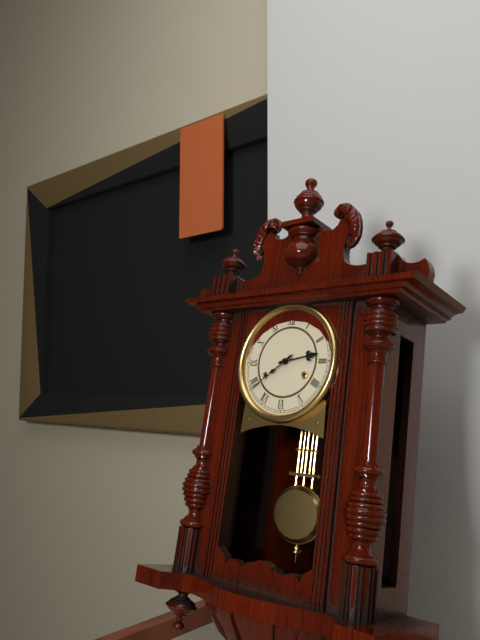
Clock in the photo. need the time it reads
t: 2:39
